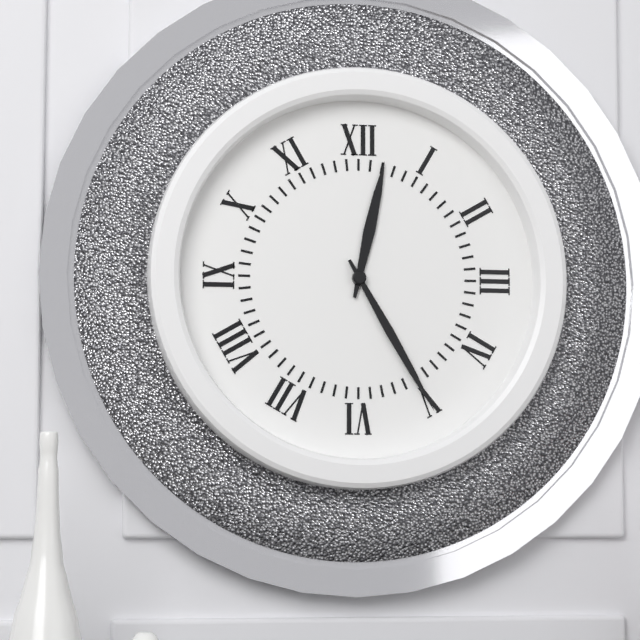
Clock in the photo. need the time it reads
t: 12:25
